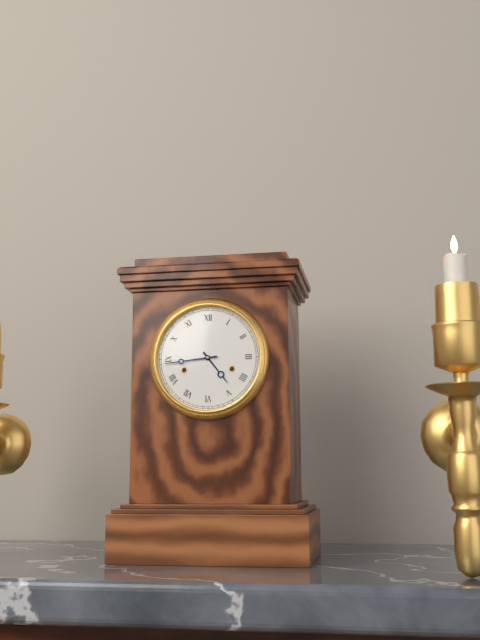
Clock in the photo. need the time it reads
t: 4:44
